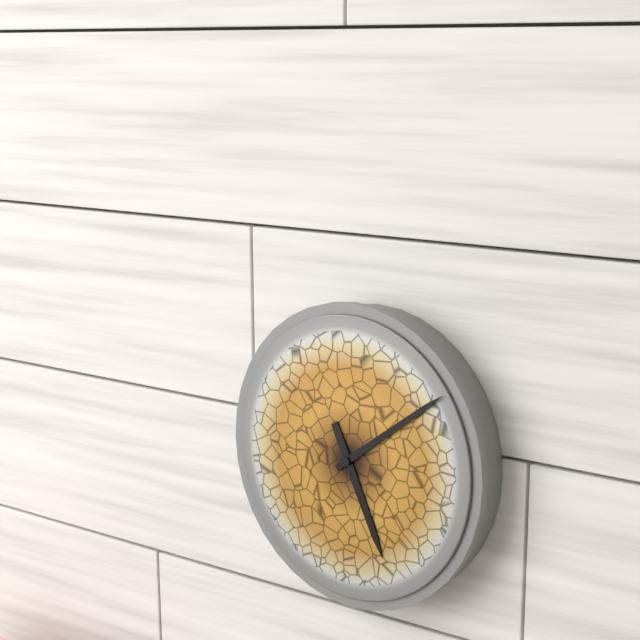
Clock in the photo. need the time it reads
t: 5:09
